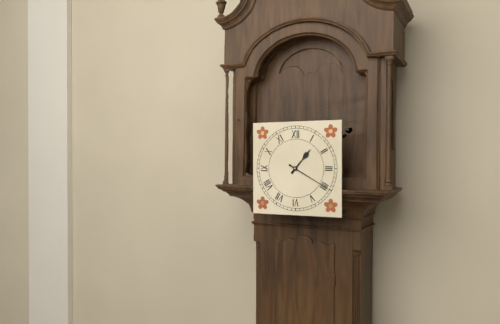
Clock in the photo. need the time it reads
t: 1:20
